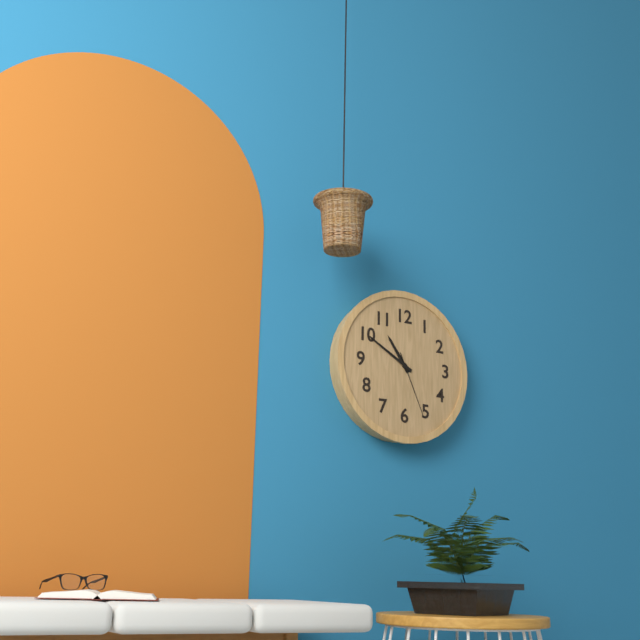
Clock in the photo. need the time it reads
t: 10:50:26
